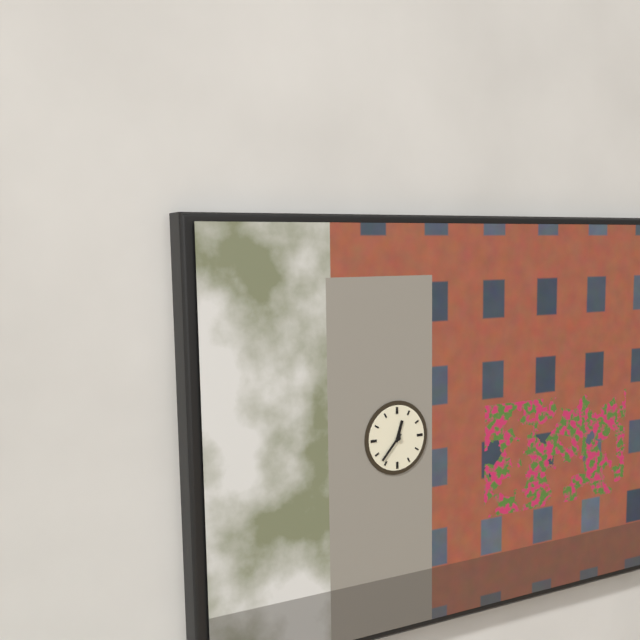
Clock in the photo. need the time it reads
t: 12:37
